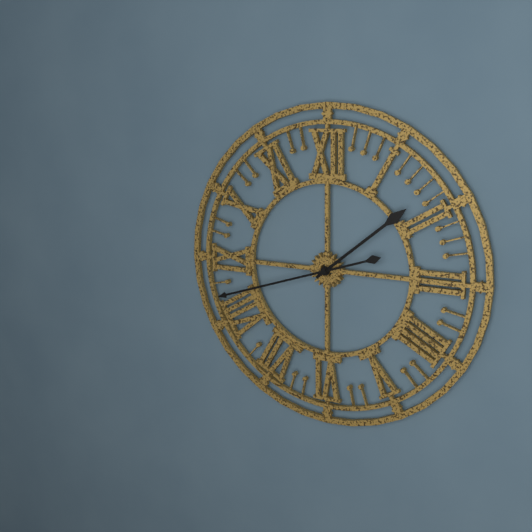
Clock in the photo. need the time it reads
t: 1:42
